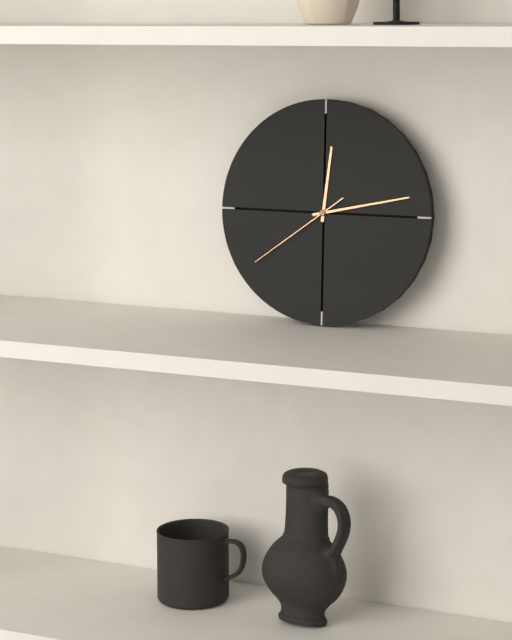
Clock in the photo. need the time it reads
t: 12:13:39
